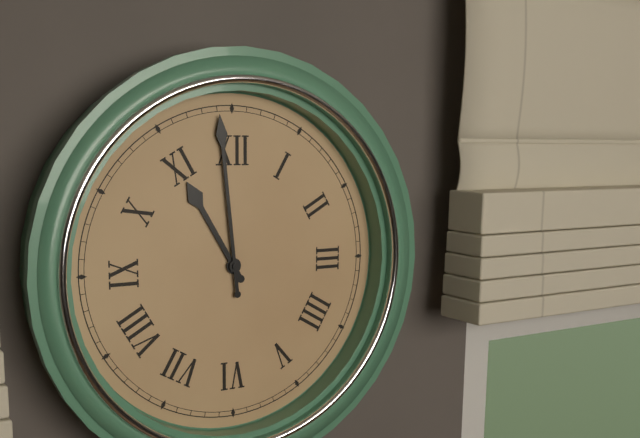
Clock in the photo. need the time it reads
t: 10:59
